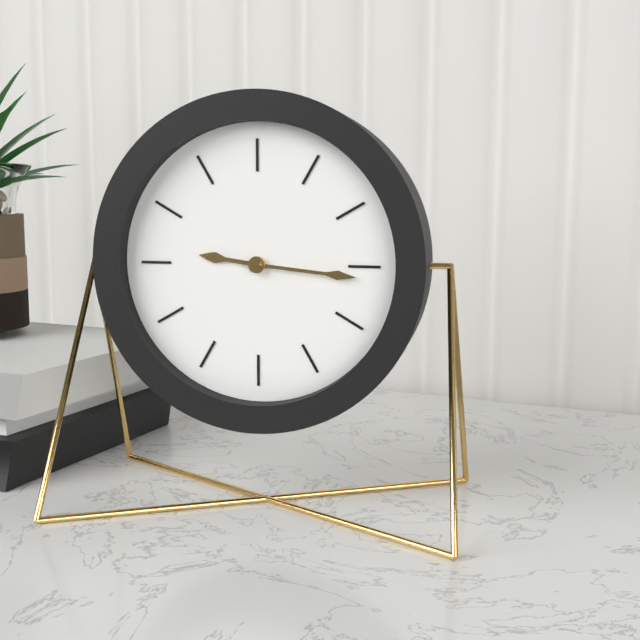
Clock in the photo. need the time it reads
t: 9:16
